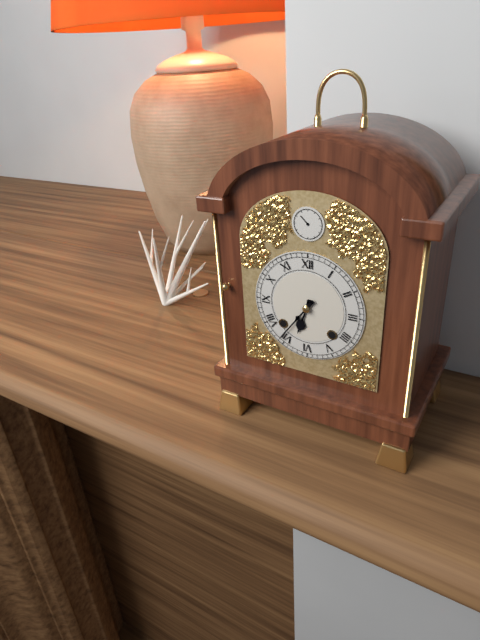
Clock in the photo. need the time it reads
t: 6:36
